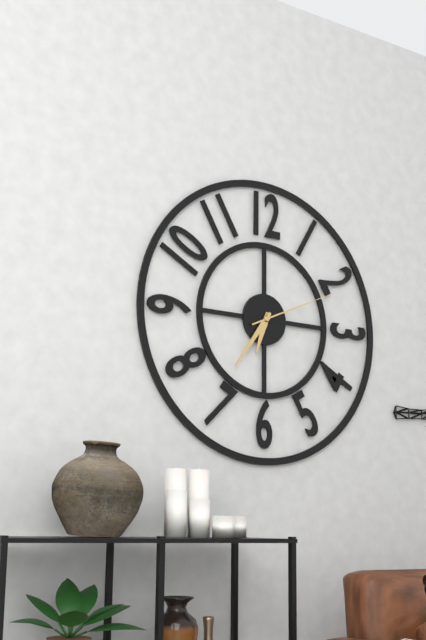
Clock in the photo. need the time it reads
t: 6:36:11
